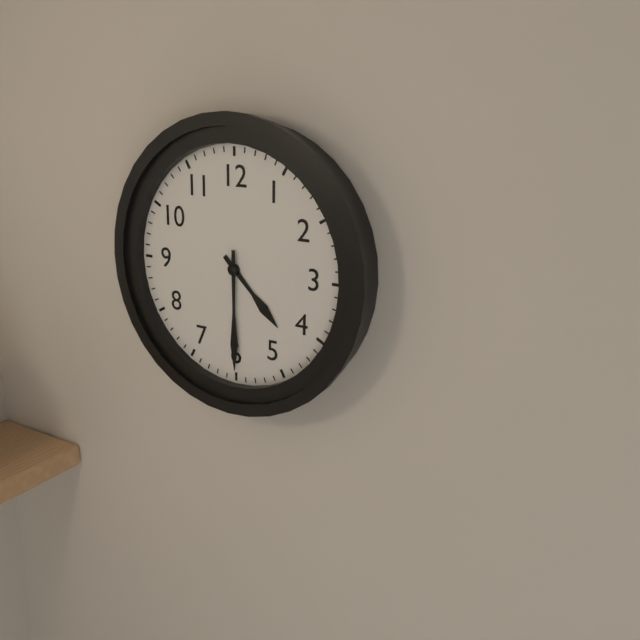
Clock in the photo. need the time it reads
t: 4:30
